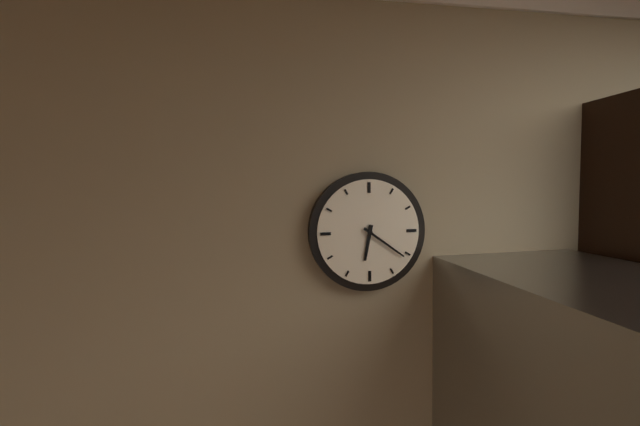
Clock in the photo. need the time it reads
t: 6:21
